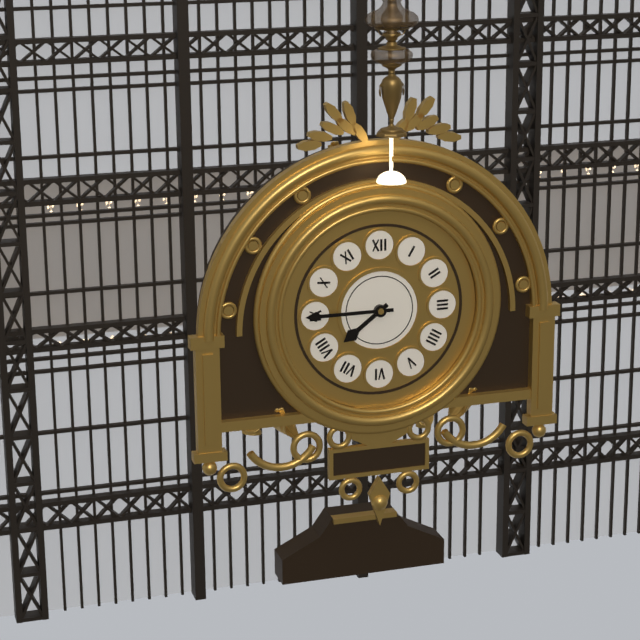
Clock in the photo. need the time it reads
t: 7:45
